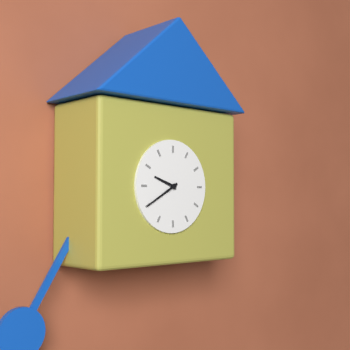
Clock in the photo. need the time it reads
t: 9:40
